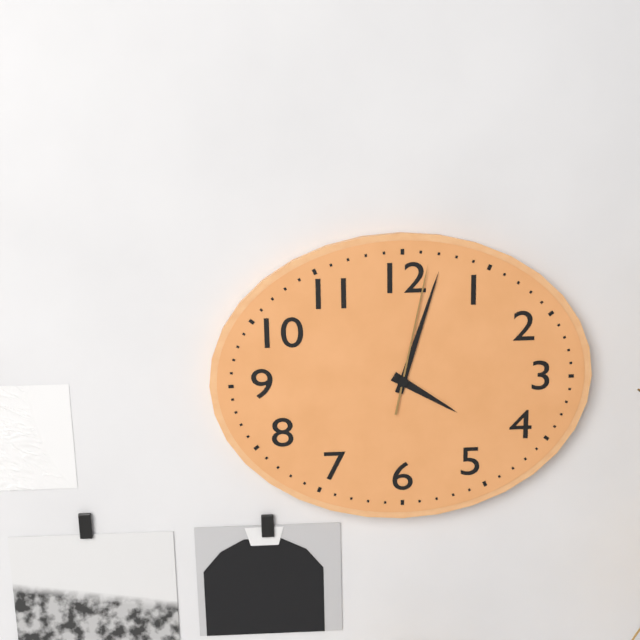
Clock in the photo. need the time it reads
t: 4:03:02
